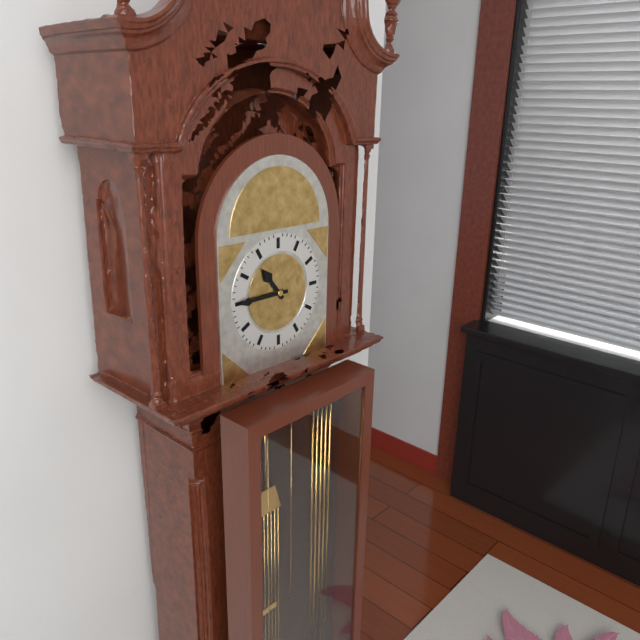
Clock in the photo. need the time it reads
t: 10:45
